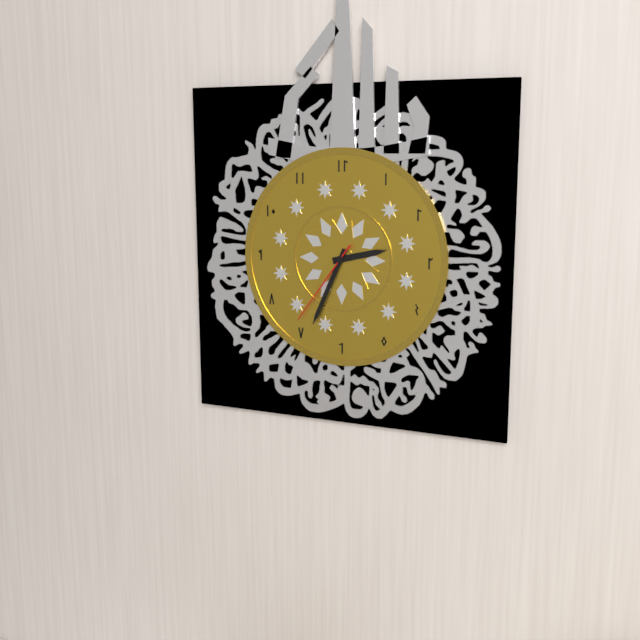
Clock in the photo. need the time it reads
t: 2:34:36
